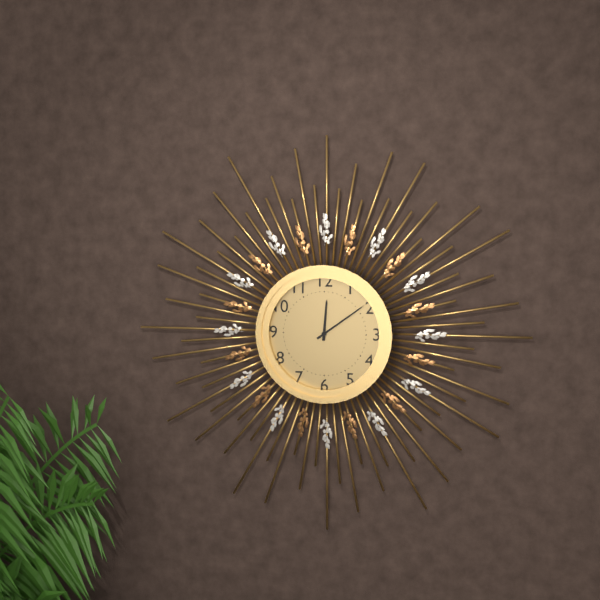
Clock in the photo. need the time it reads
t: 12:09
